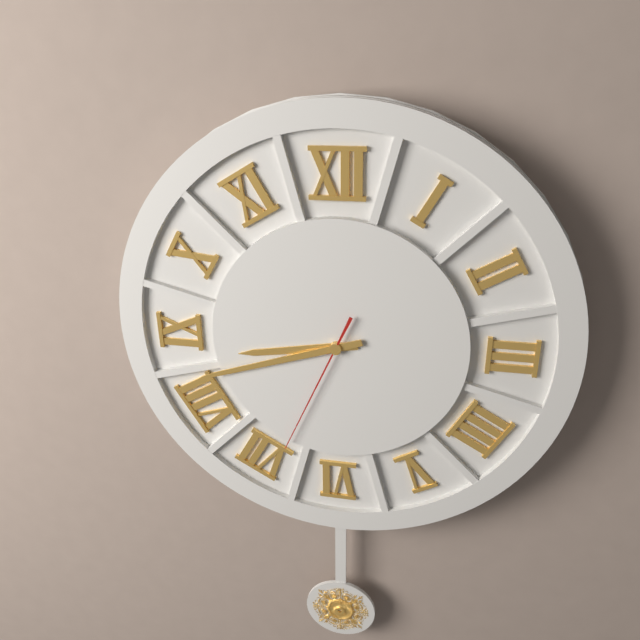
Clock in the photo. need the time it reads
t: 8:42:34
